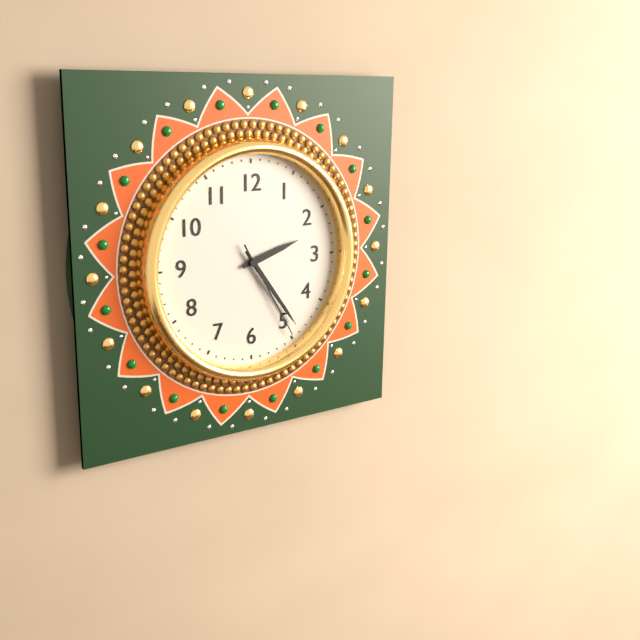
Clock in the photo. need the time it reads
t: 2:24:25
